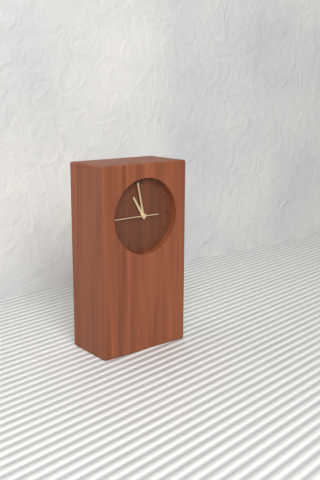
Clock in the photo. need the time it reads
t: 10:58
